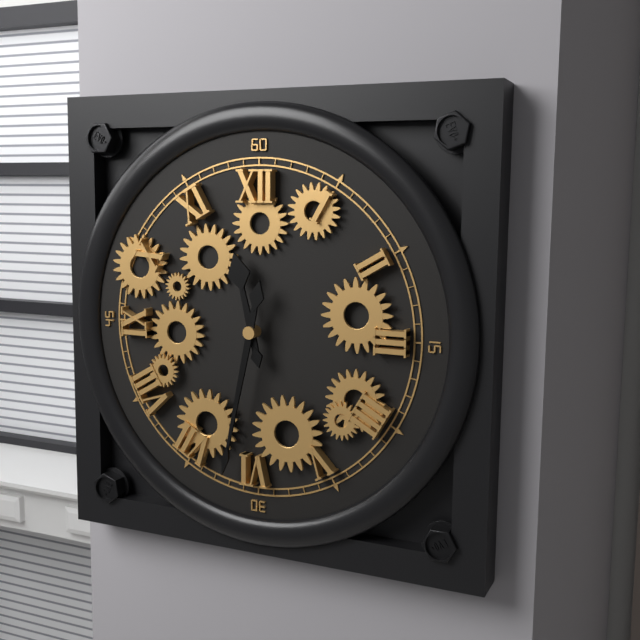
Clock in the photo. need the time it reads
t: 11:32
